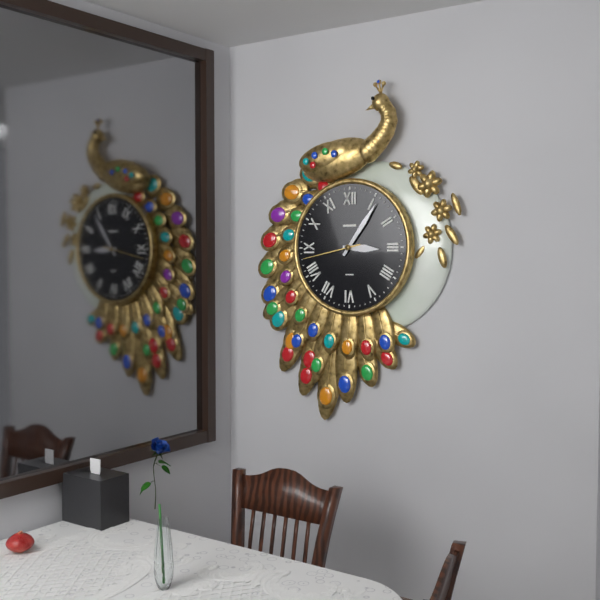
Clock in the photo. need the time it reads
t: 3:06:43
